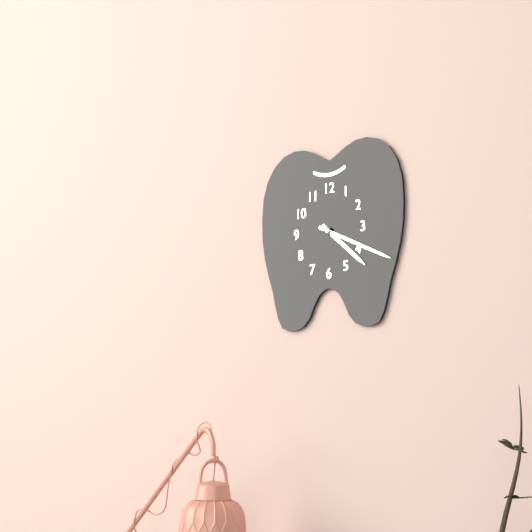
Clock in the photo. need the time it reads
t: 4:19
